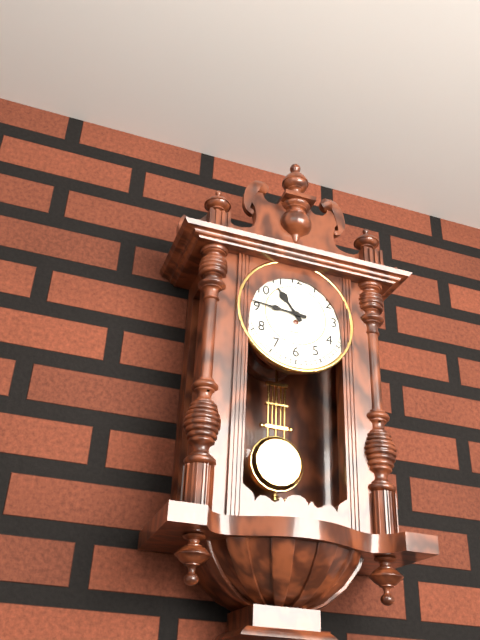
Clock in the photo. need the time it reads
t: 10:46
